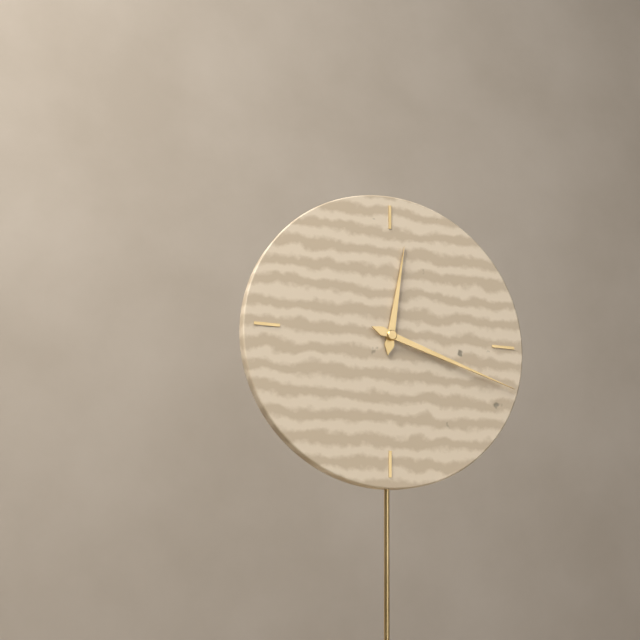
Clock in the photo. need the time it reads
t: 12:18
